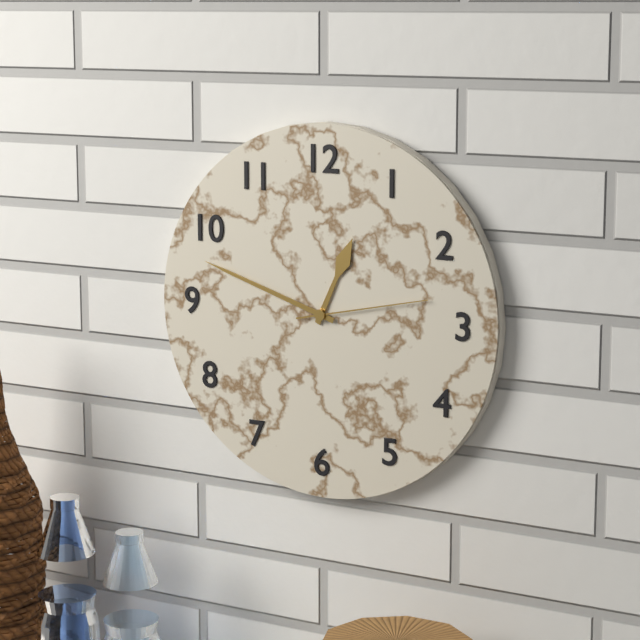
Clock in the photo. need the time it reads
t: 12:48:13
